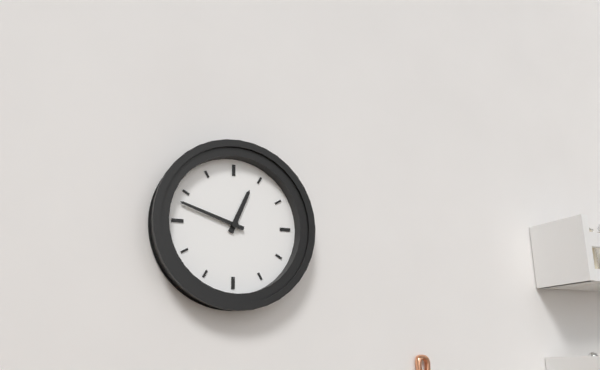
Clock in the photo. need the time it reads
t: 12:48
